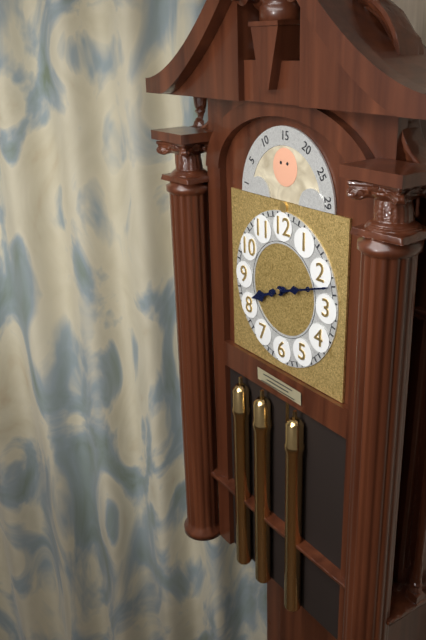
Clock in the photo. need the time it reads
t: 8:12
